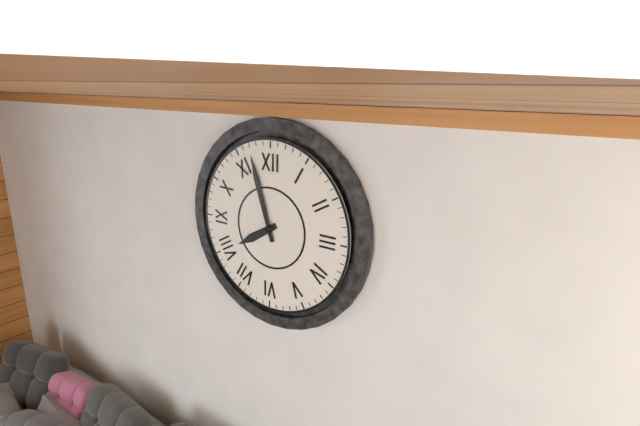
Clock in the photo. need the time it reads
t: 7:57
